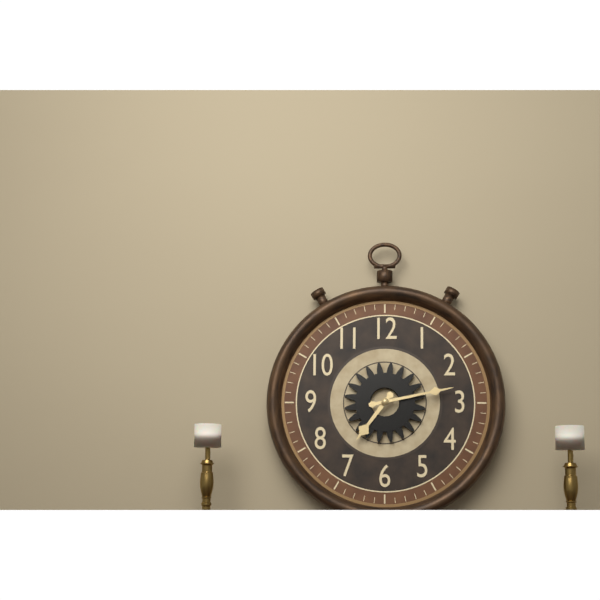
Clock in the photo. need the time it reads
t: 7:13
